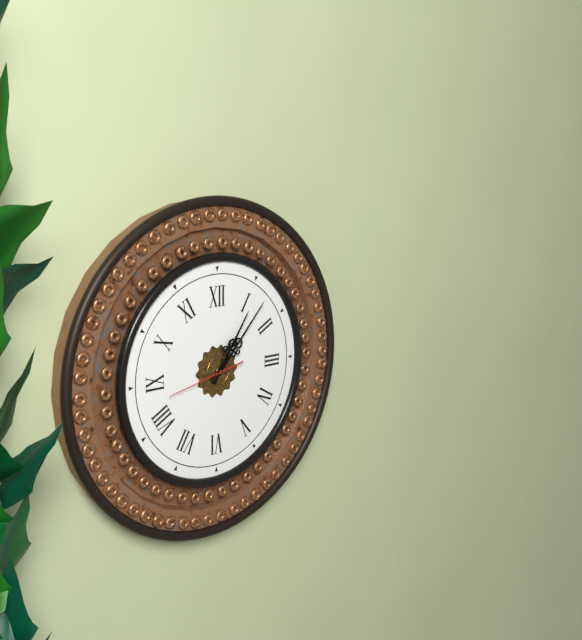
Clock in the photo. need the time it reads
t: 1:07:43
